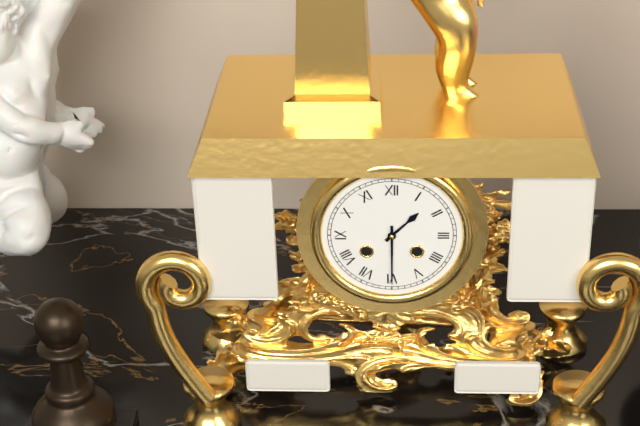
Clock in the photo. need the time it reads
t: 1:30
